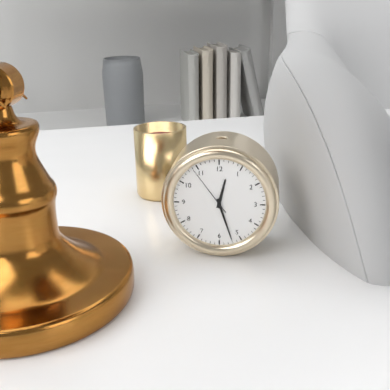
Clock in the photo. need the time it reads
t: 12:27
